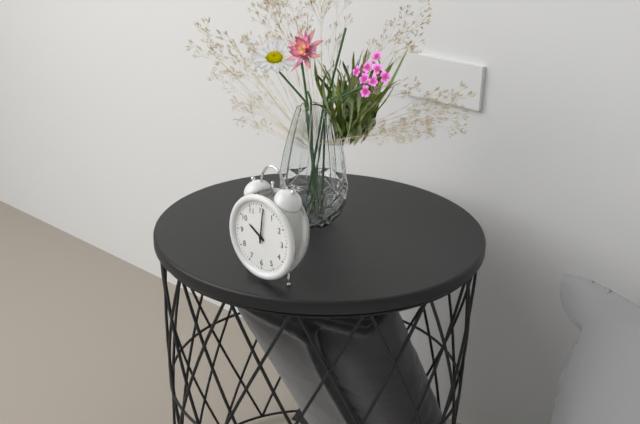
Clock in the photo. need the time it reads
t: 10:01
